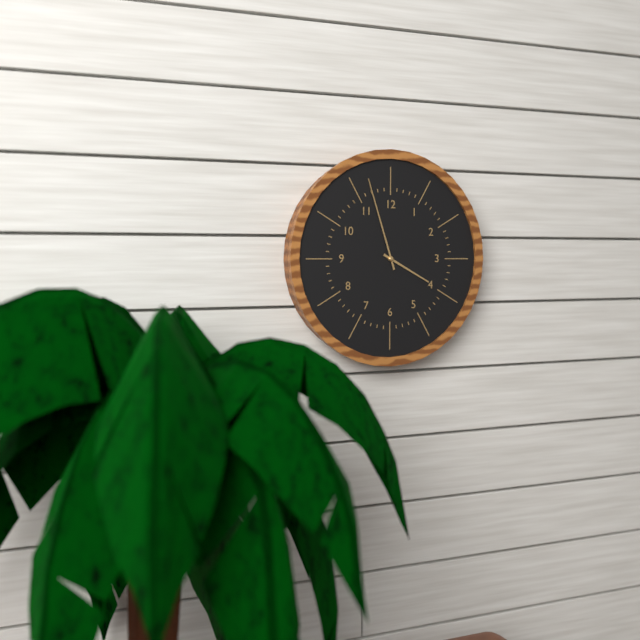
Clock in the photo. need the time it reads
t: 3:57
